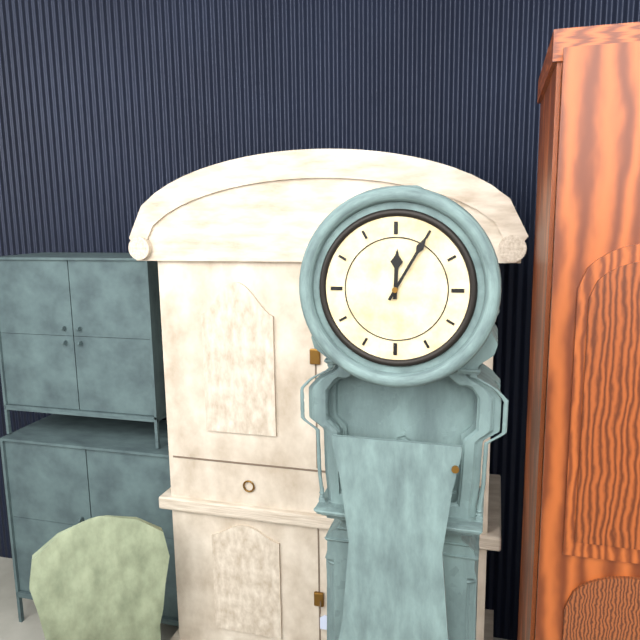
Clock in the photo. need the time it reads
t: 12:05
